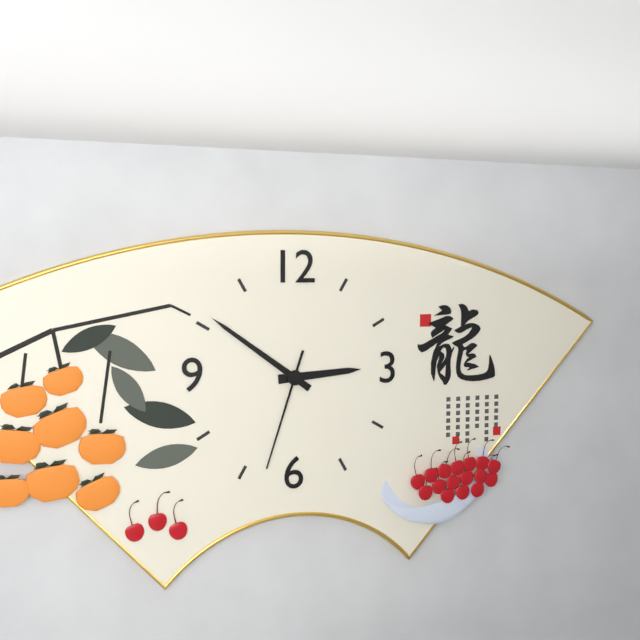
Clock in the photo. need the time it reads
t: 2:51:33
